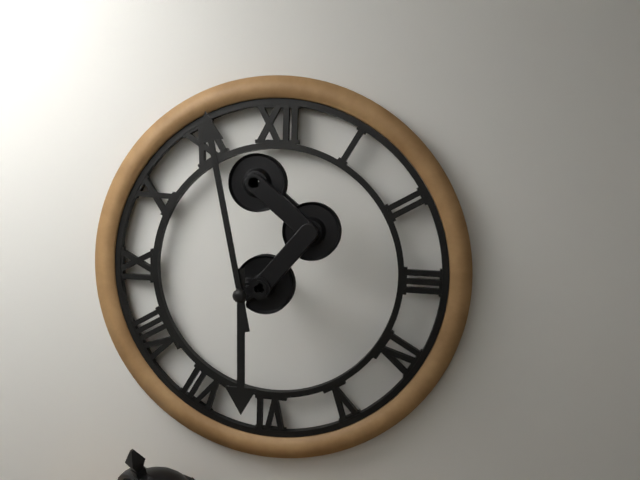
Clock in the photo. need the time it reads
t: 5:58
